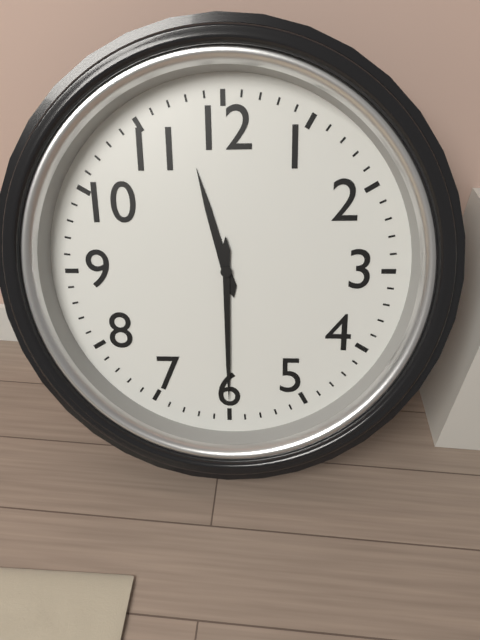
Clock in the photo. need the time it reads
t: 11:30
